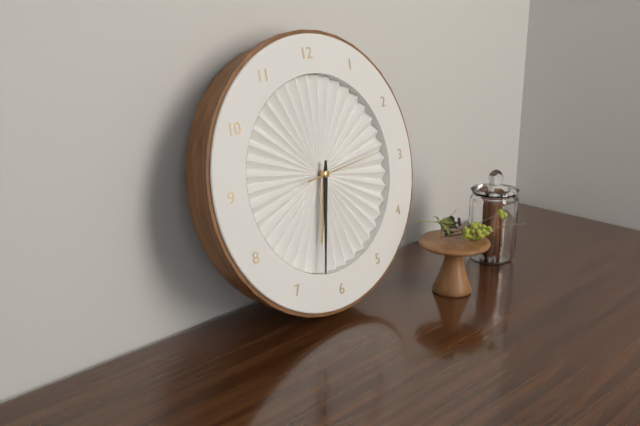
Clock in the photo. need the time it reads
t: 6:32:14
